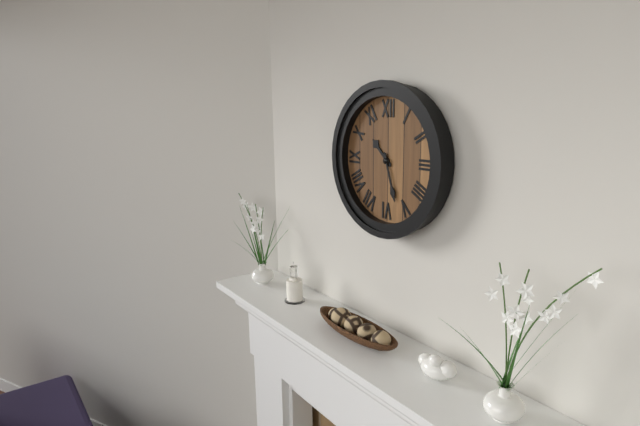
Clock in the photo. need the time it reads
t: 10:27
